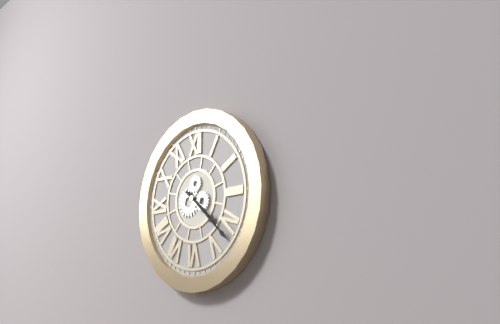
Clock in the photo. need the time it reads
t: 4:22
